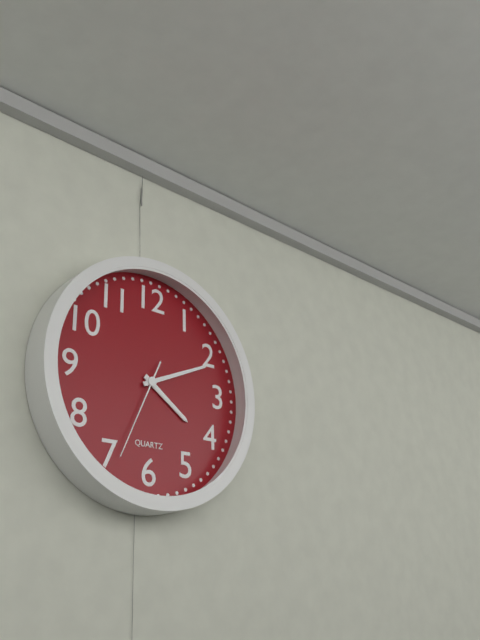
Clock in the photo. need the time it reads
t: 4:11:34
